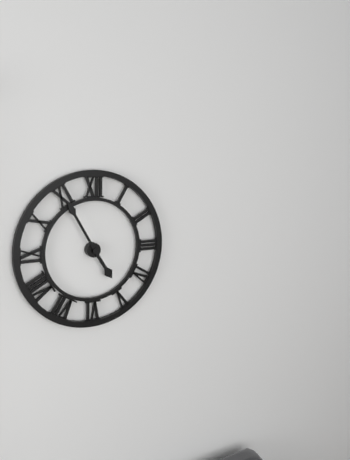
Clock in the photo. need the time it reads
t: 4:55
